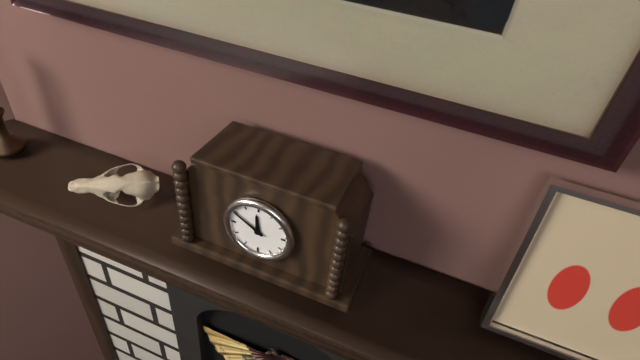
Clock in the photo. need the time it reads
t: 11:50
